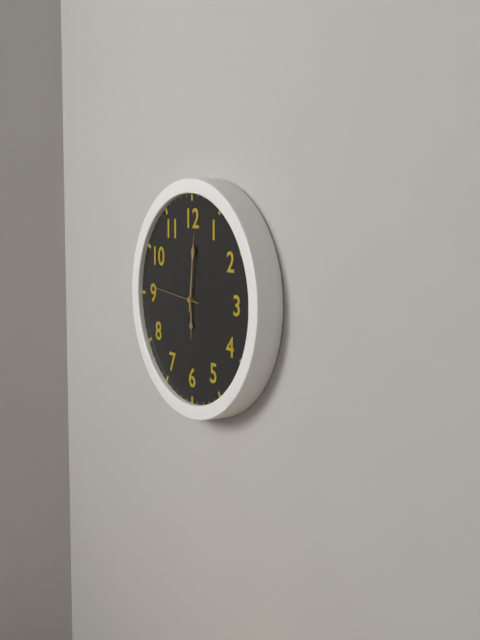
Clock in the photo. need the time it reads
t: 6:01:46
